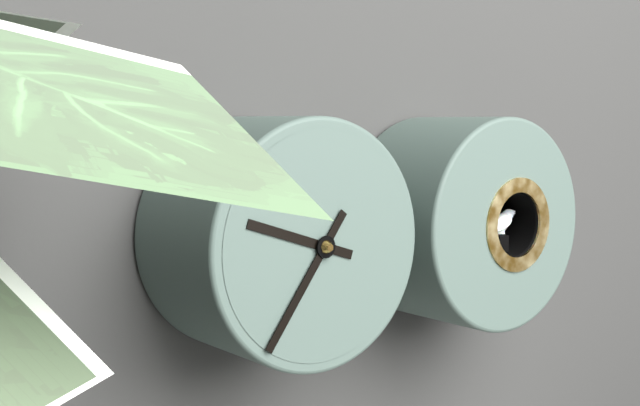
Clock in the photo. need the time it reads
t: 9:36
